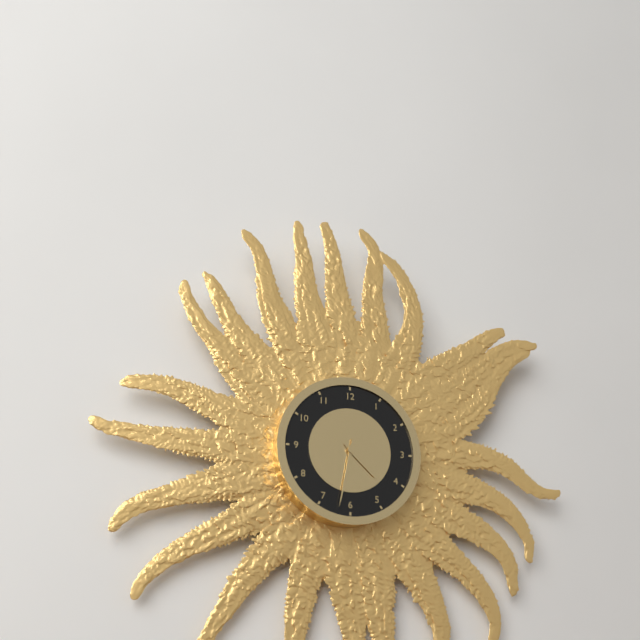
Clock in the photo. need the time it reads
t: 4:32
